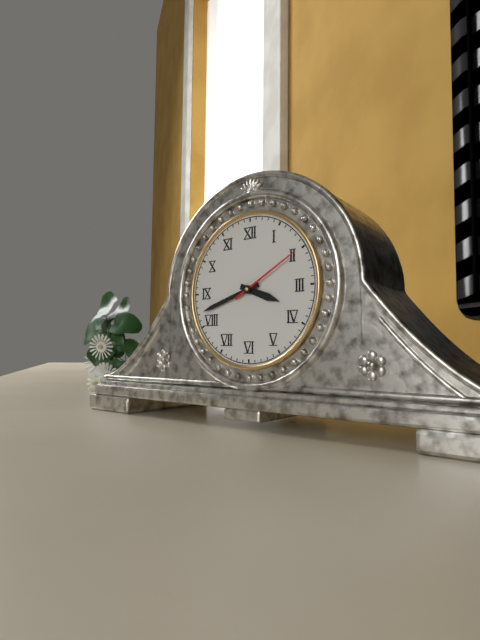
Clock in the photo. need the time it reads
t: 3:42:10
